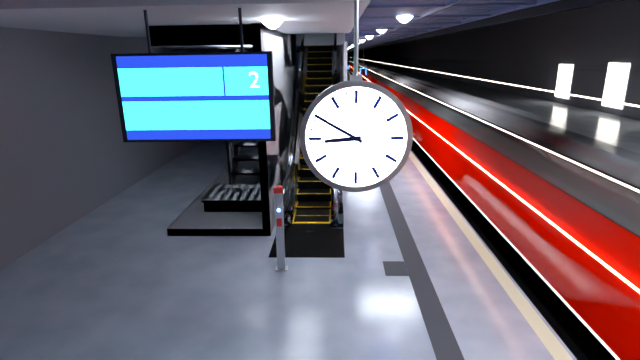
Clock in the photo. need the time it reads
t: 8:50
